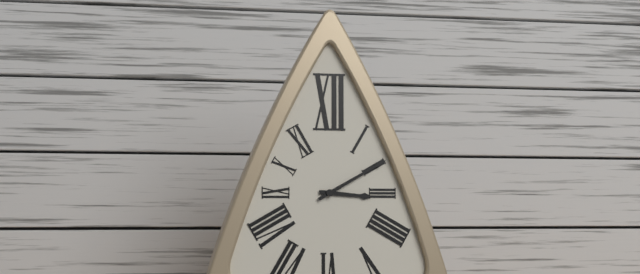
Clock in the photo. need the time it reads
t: 3:10
